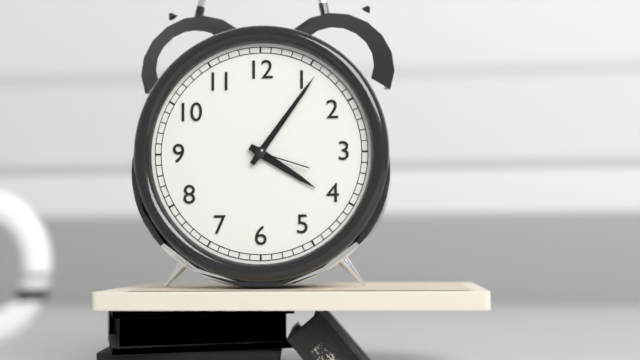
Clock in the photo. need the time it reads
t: 4:06:18
